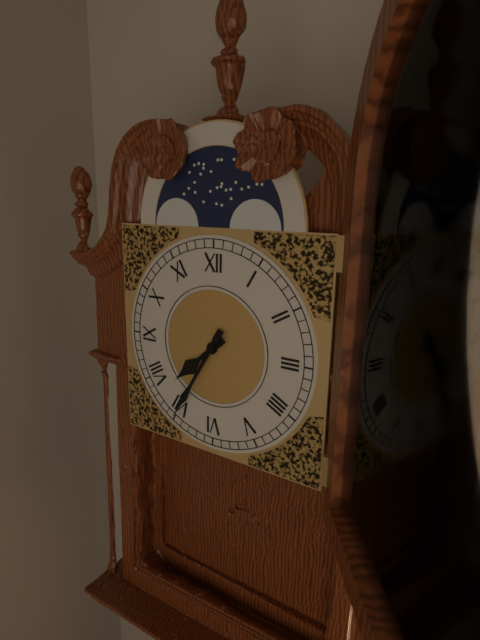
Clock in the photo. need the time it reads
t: 7:35
